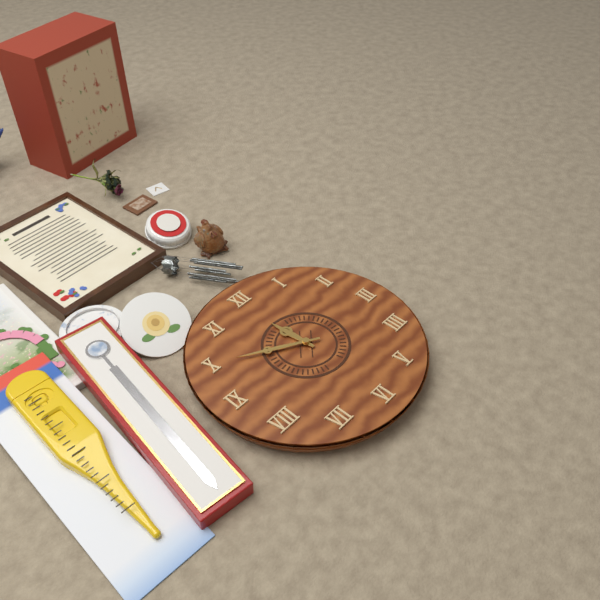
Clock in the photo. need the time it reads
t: 11:50
